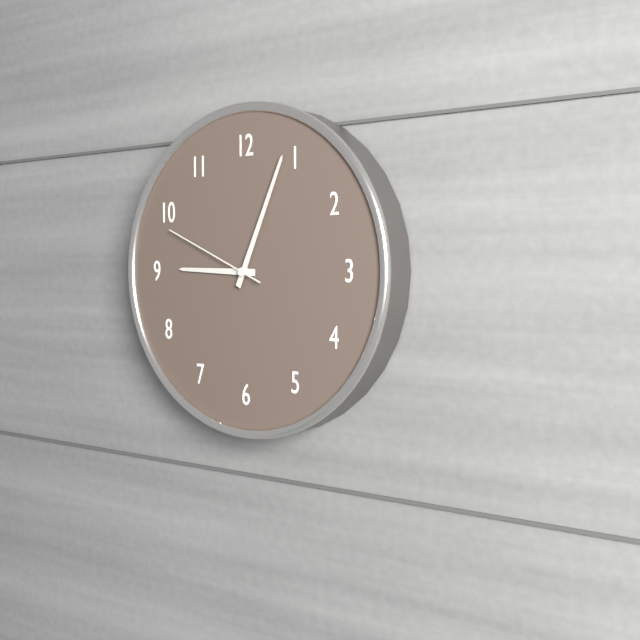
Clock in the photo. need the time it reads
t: 9:04:49
